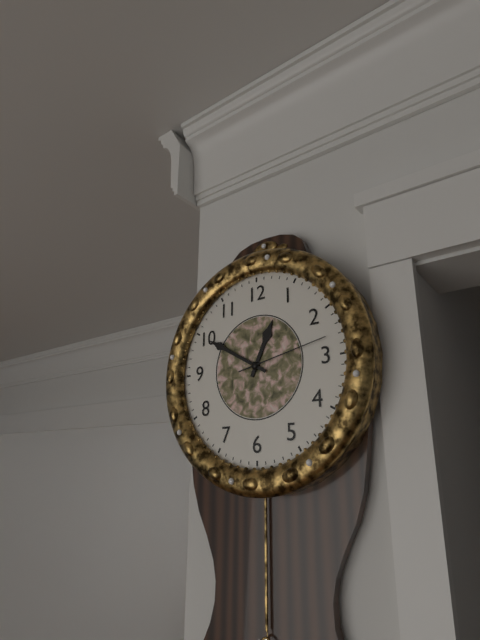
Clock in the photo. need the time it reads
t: 12:50:13
